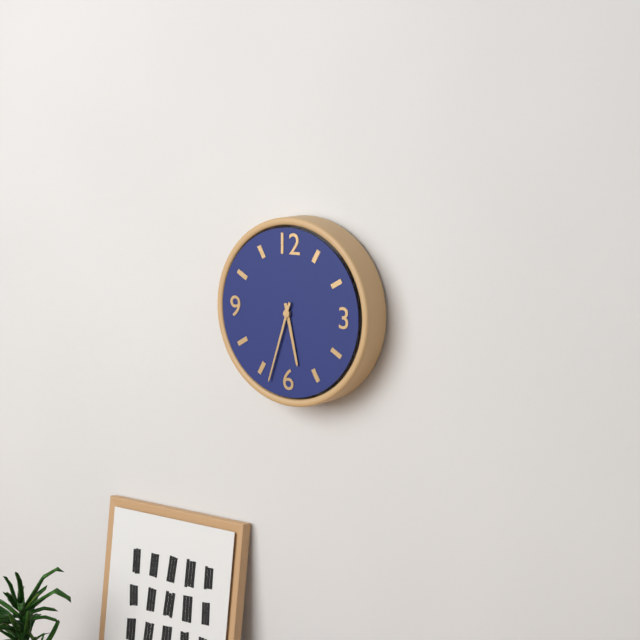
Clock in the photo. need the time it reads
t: 5:33
